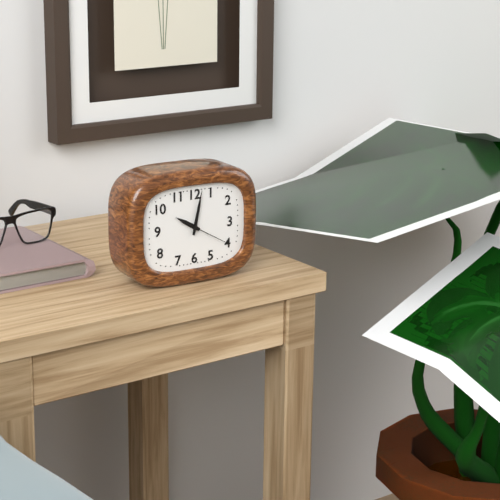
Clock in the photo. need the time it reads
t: 10:02
